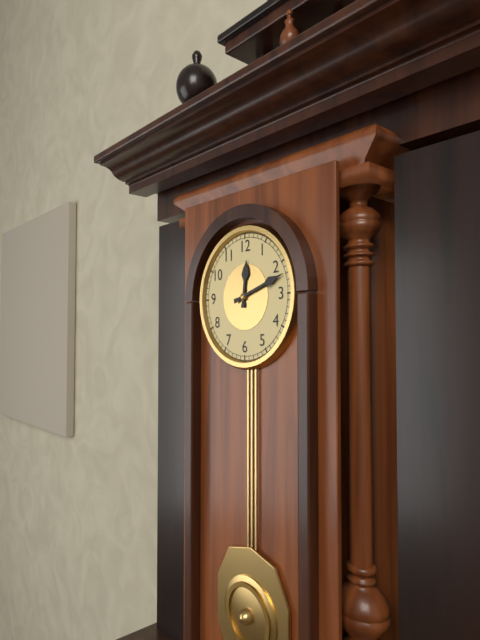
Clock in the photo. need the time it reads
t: 12:12
